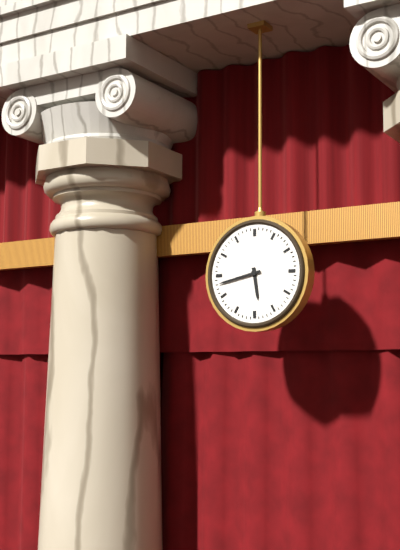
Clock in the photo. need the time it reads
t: 5:43
